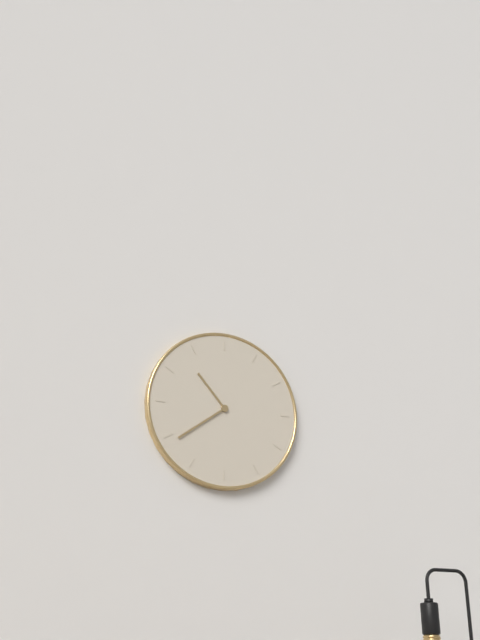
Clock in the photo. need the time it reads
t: 10:39
